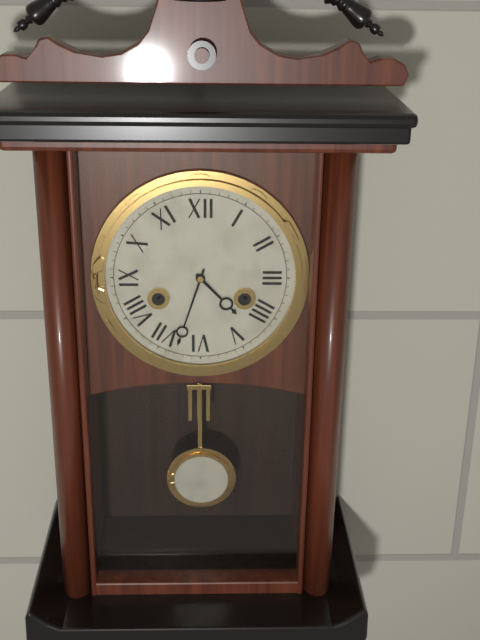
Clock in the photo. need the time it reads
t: 4:33
